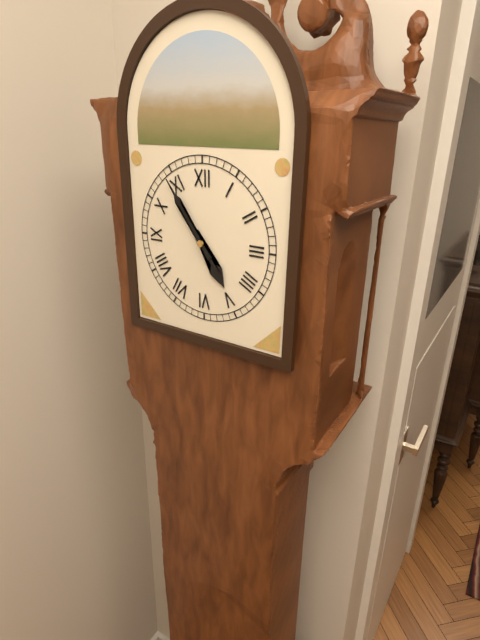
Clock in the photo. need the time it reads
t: 4:54
